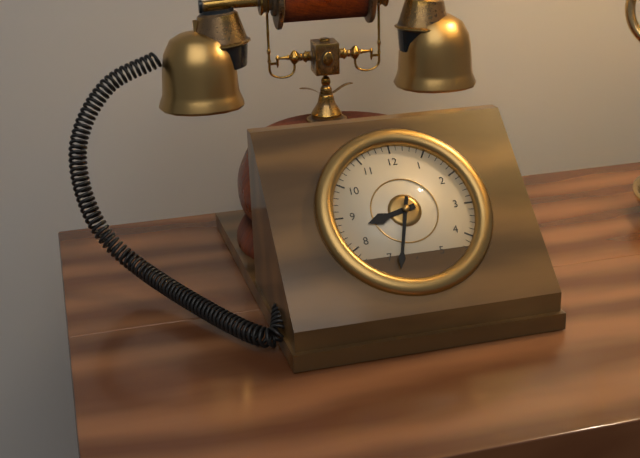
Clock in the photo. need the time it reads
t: 8:33
